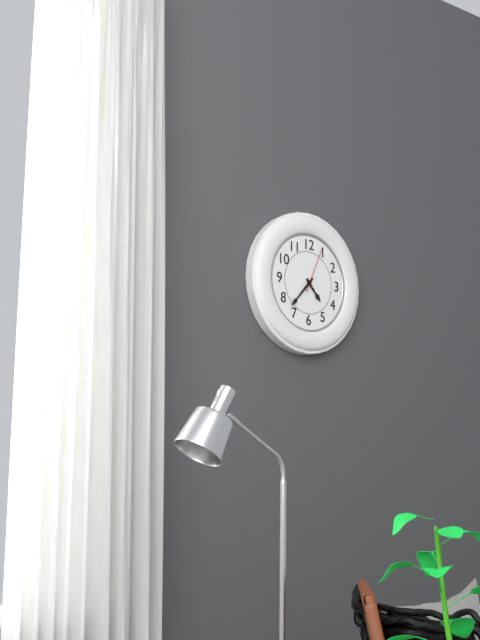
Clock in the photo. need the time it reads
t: 4:37
